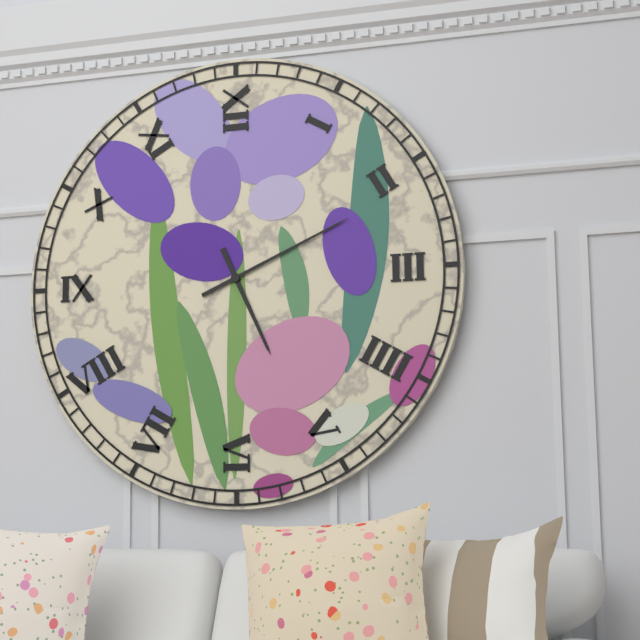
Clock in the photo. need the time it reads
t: 5:11
